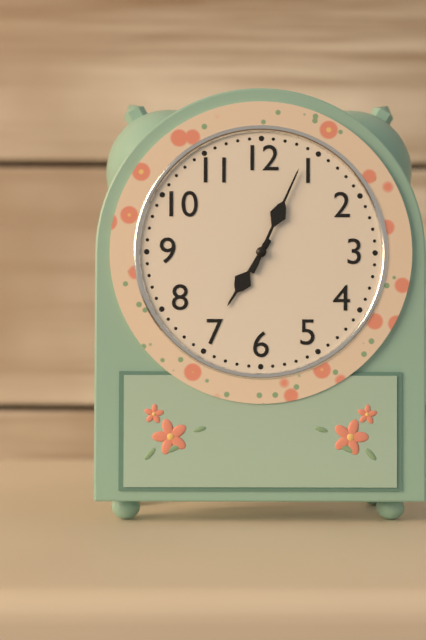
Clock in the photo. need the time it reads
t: 7:04
